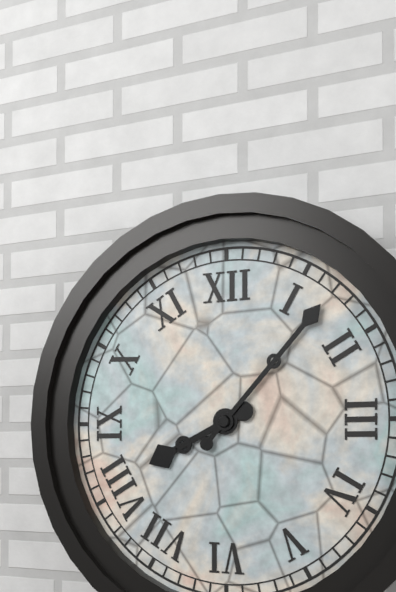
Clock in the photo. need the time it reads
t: 8:07
